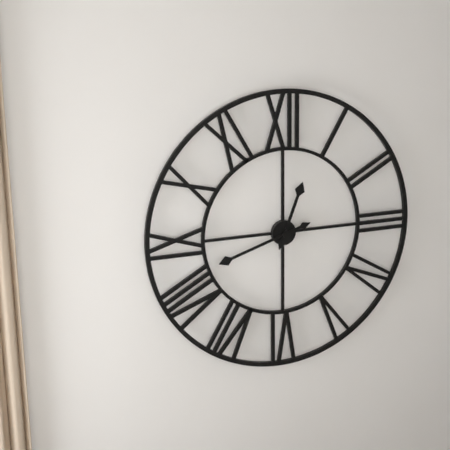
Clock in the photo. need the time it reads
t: 12:42
